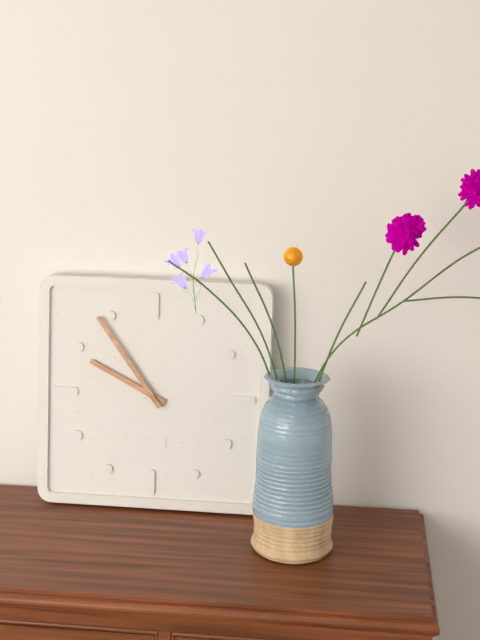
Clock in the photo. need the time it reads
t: 9:54
